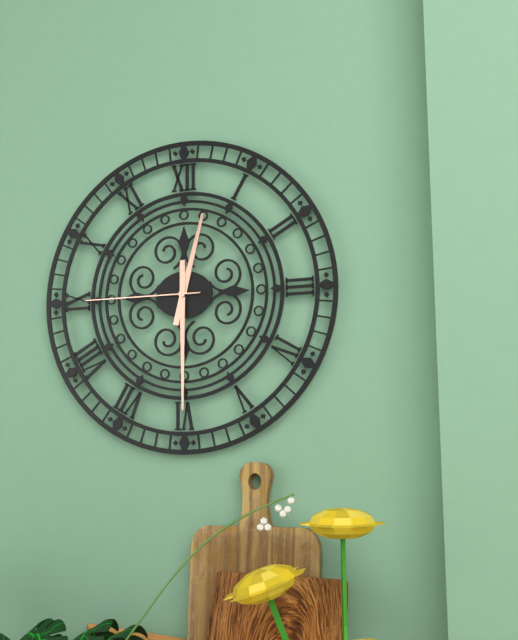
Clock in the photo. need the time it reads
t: 12:30:45
